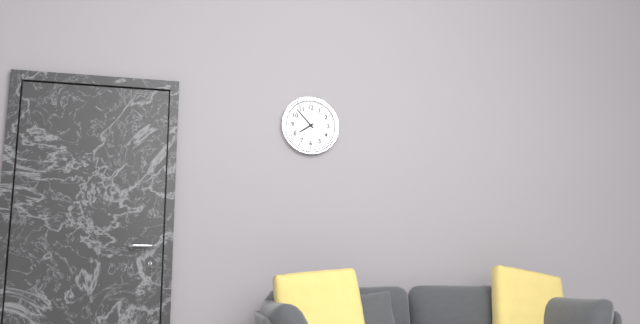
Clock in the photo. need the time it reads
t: 7:53
